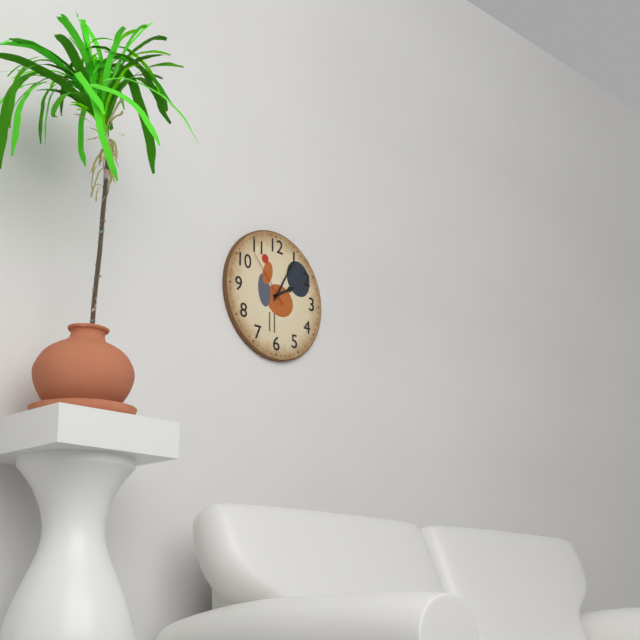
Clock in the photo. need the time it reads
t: 2:05:53
